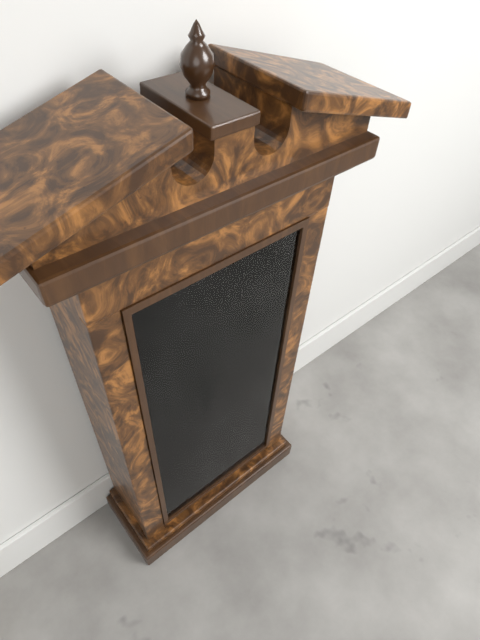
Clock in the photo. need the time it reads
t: 7:54
